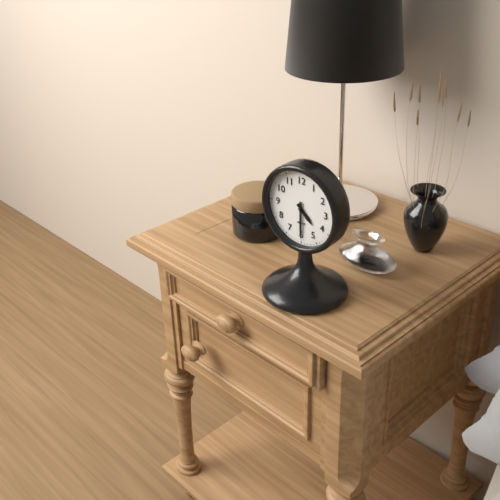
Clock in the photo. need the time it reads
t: 4:30
